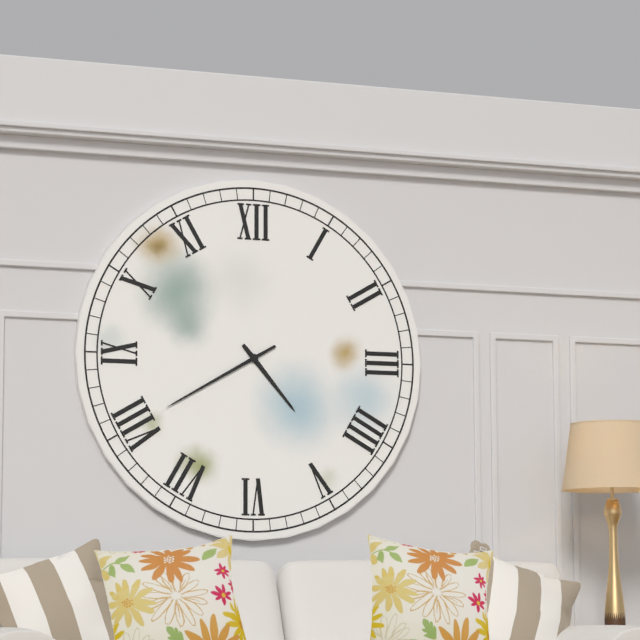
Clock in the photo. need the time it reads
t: 4:40
